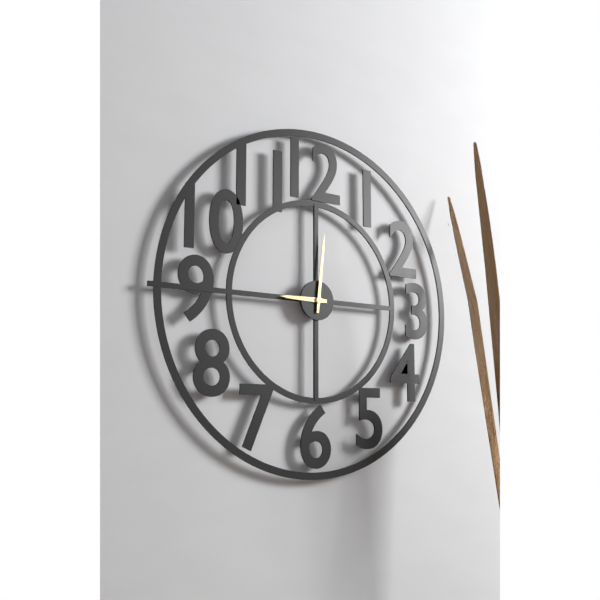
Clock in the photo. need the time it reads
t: 9:01
